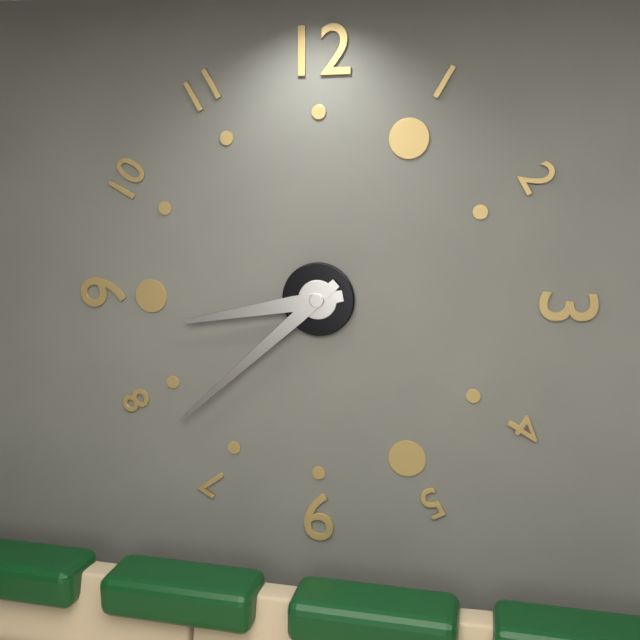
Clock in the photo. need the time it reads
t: 8:38
